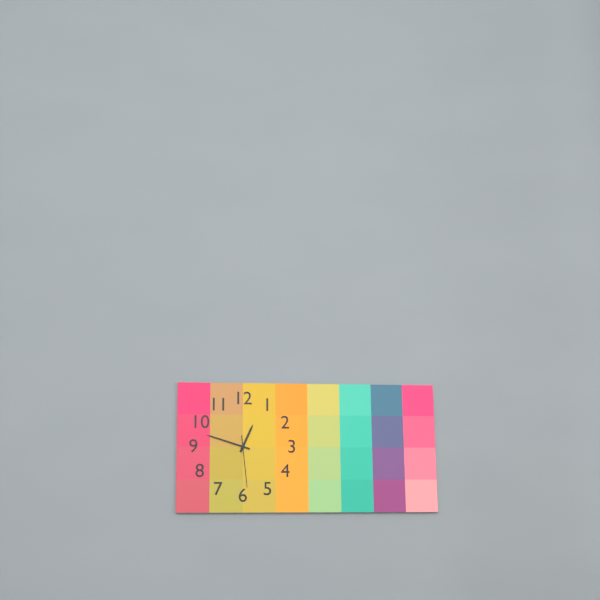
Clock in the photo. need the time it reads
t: 12:48:29
